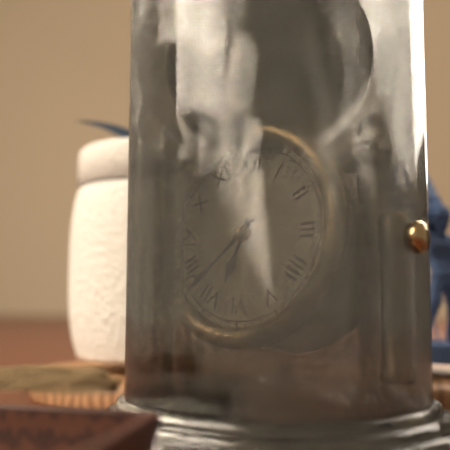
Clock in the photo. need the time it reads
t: 6:38
